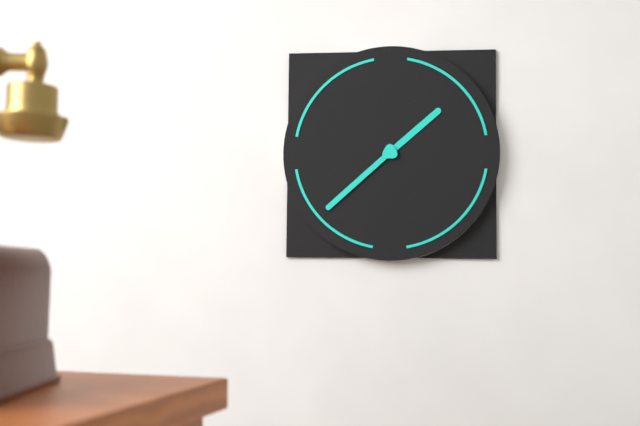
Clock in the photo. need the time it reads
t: 1:38
